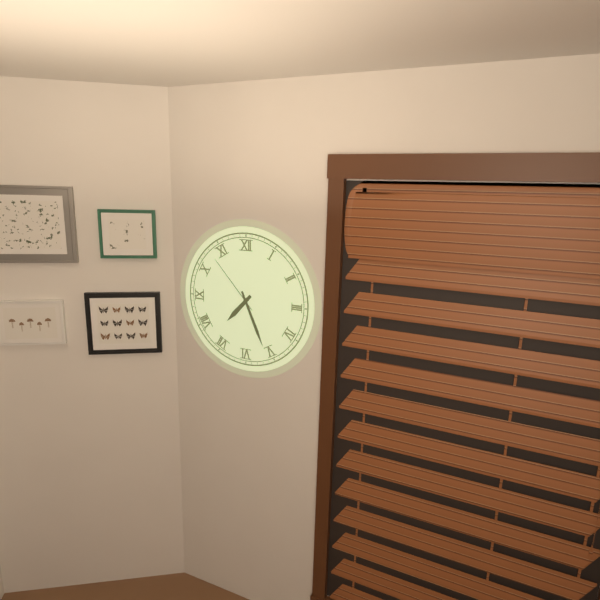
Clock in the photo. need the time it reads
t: 7:26:53
